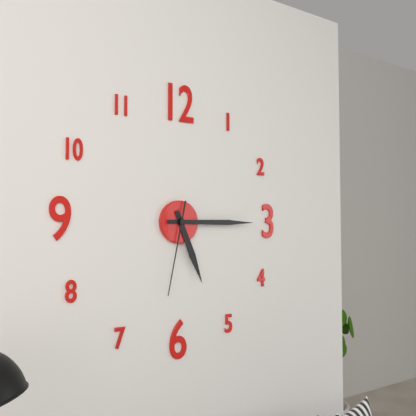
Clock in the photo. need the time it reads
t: 5:15:32
